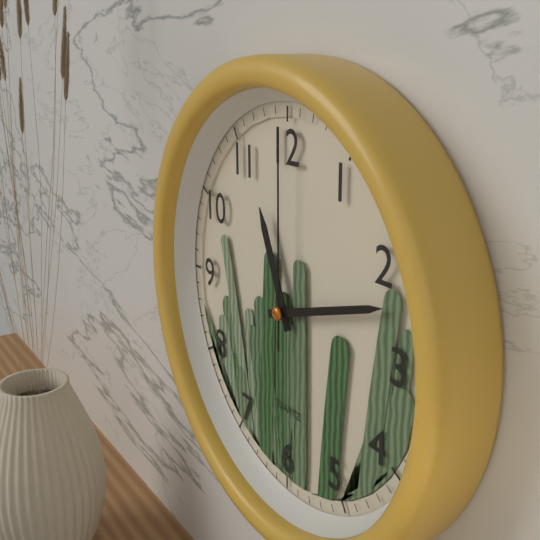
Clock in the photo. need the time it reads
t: 11:12:00
